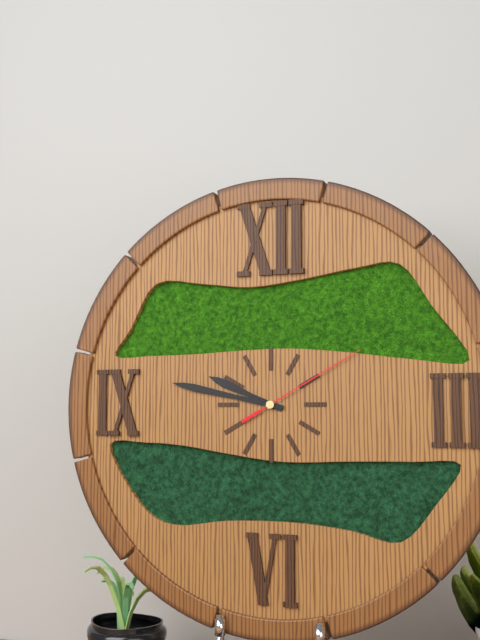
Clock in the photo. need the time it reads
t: 9:47:10
